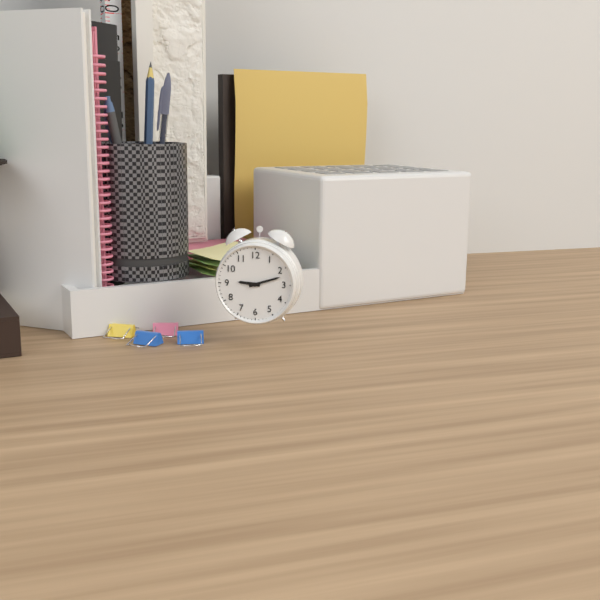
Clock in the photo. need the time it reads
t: 9:12
